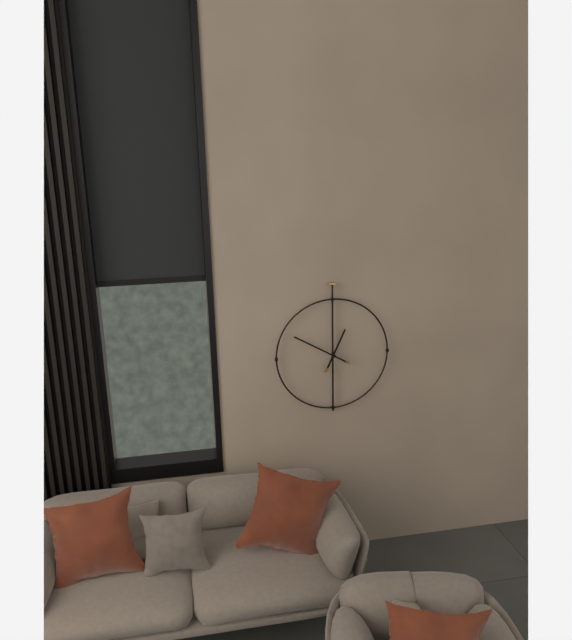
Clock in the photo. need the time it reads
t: 12:50
